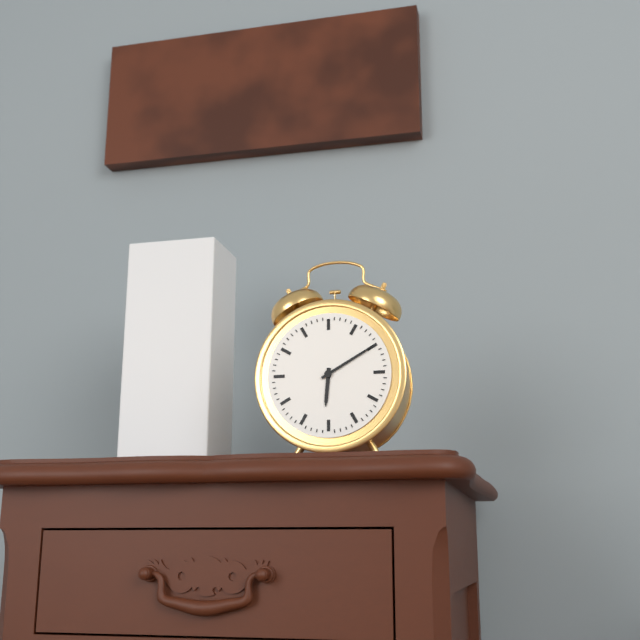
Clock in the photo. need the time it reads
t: 6:10
